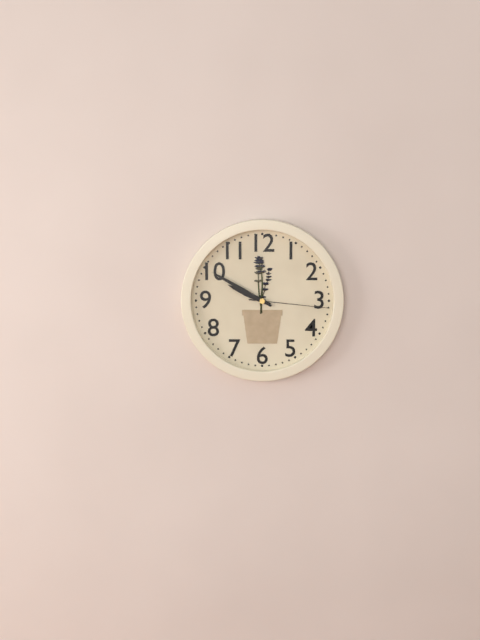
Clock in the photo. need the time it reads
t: 9:50:16
